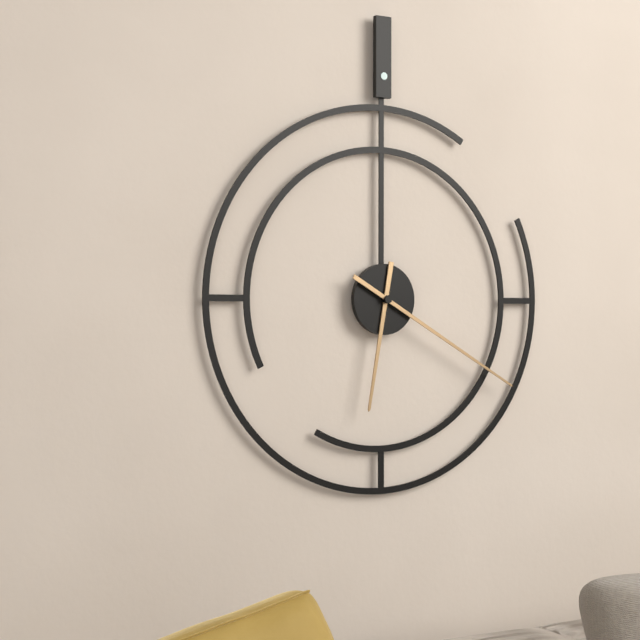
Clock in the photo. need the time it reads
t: 6:20
